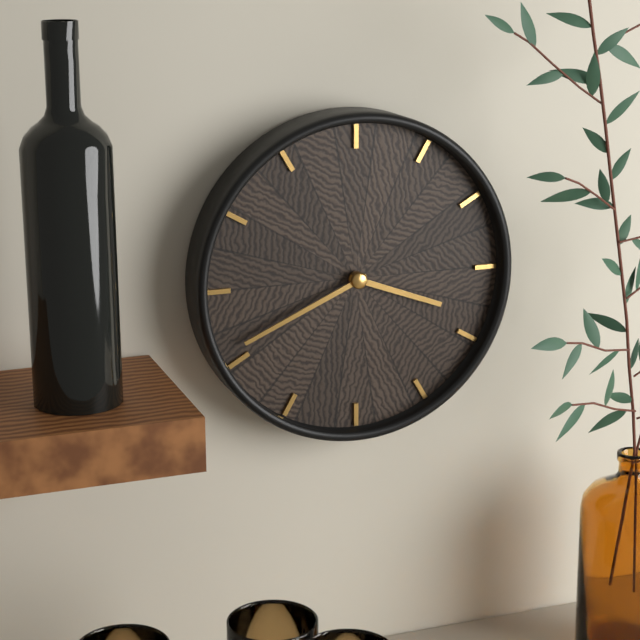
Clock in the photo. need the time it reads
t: 3:41
